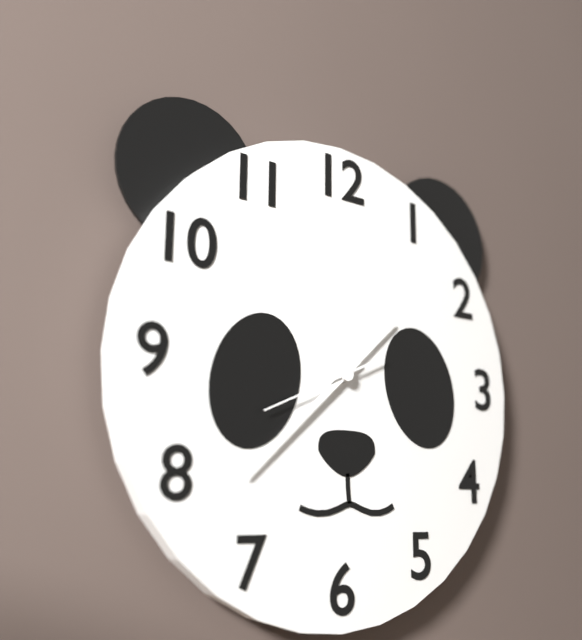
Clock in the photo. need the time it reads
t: 1:38:41
